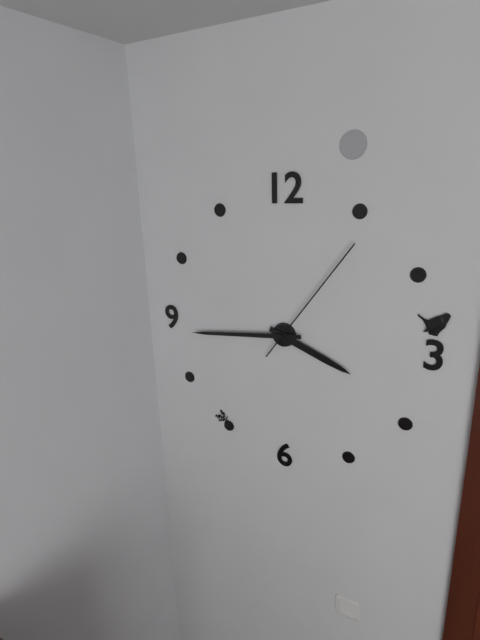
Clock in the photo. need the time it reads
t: 3:44:06
